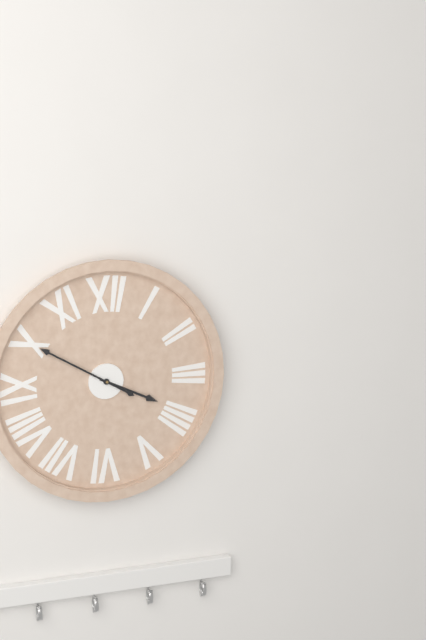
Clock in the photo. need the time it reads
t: 3:50
